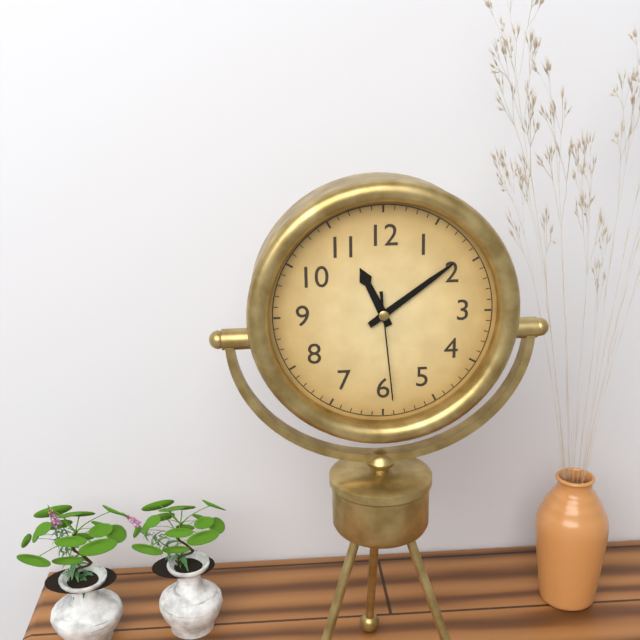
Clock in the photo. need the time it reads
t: 11:09:29
